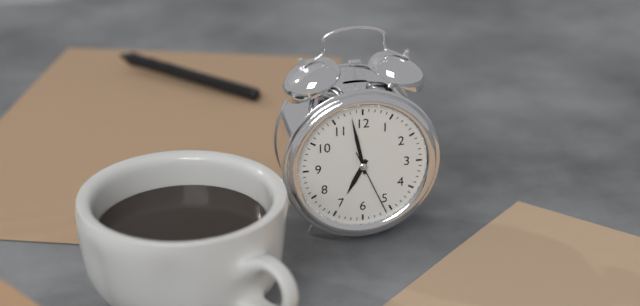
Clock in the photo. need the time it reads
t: 6:58:26
